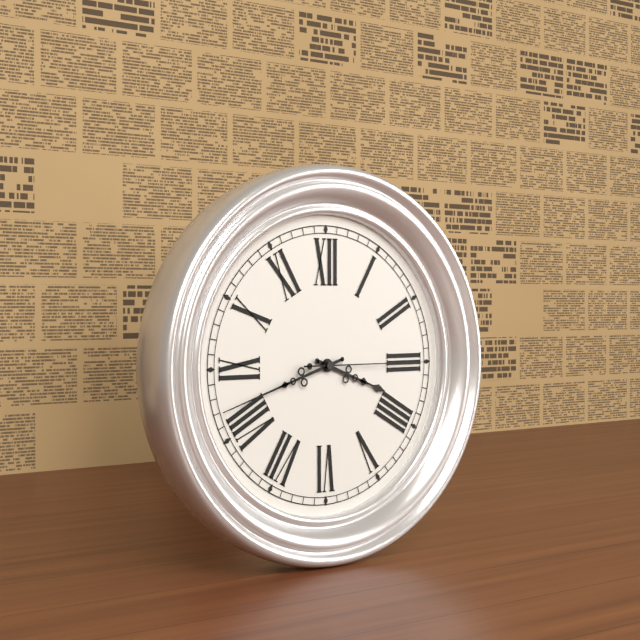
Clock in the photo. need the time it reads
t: 3:42:15
